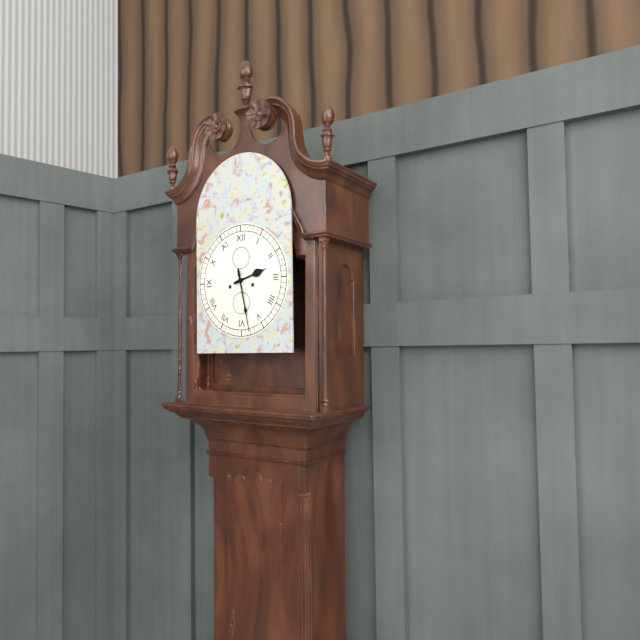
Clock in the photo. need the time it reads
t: 2:28
